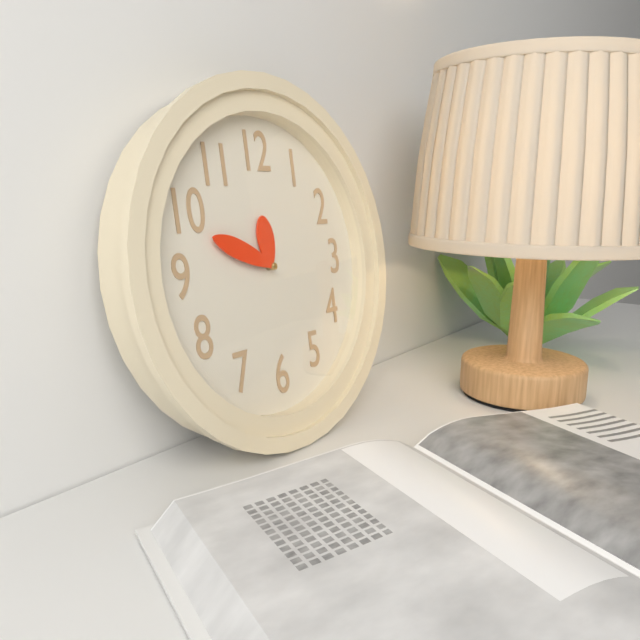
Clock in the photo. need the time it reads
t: 11:49
